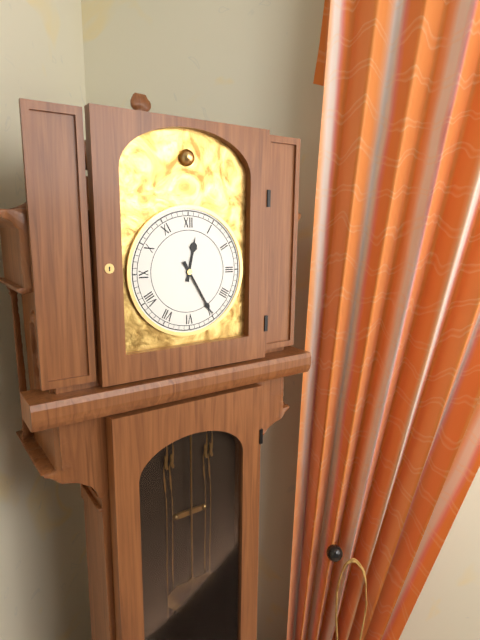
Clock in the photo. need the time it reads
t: 12:25
